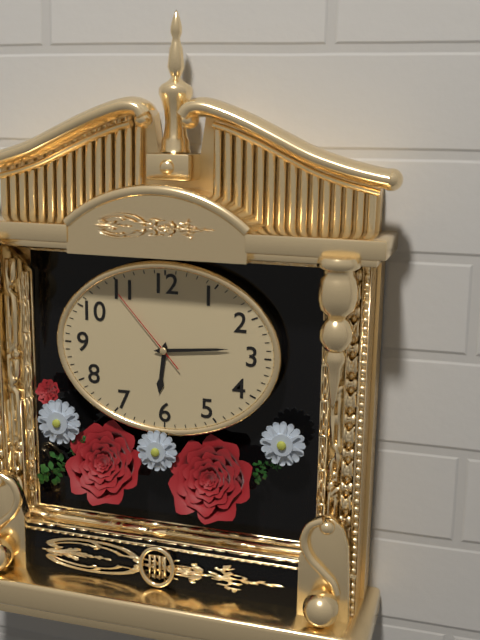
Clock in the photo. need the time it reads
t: 6:14:53
